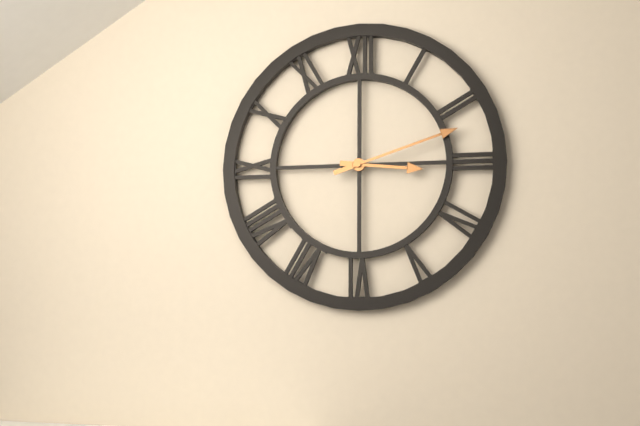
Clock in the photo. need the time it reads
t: 3:12
